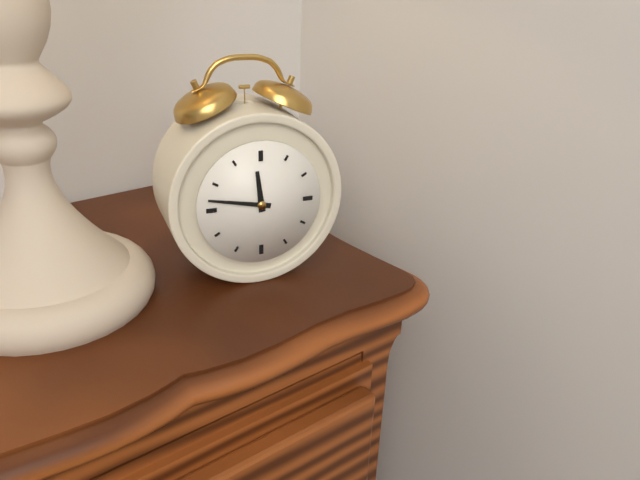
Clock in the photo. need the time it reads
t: 11:47
